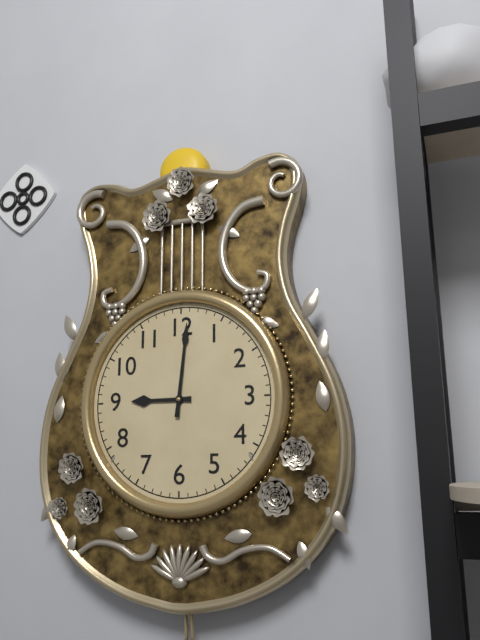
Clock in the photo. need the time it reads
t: 9:01
